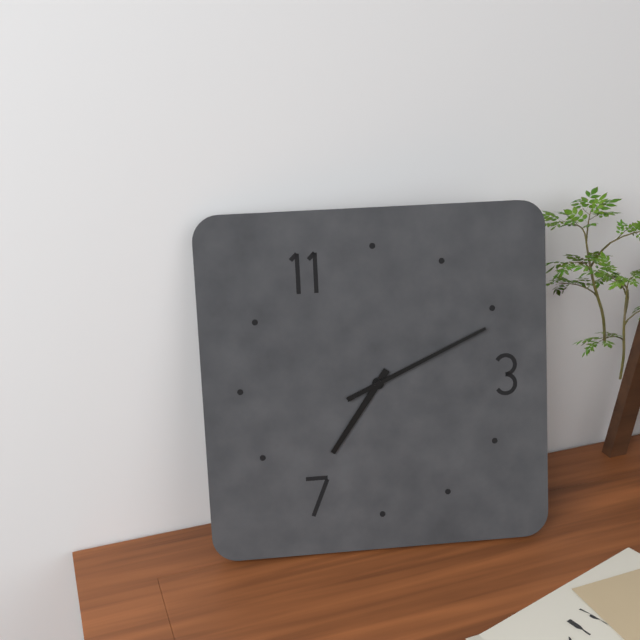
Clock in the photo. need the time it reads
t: 7:11
